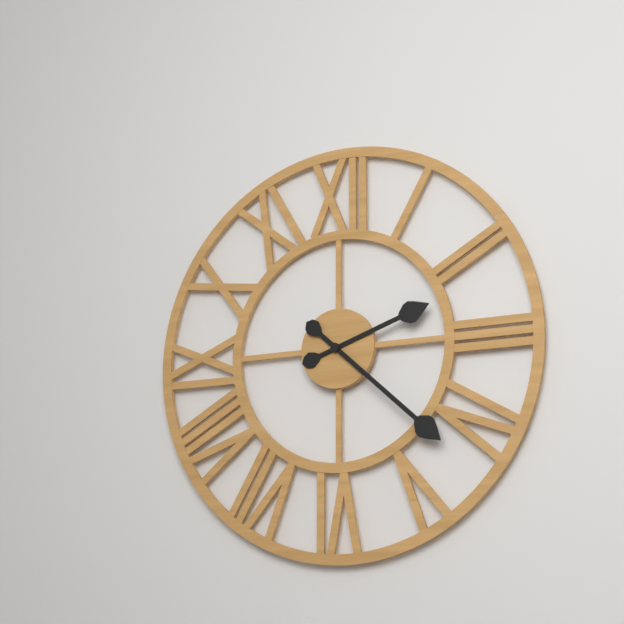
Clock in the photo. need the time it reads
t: 2:22
